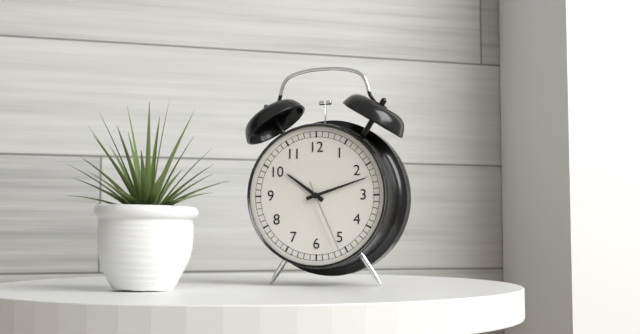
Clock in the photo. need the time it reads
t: 10:12:26
